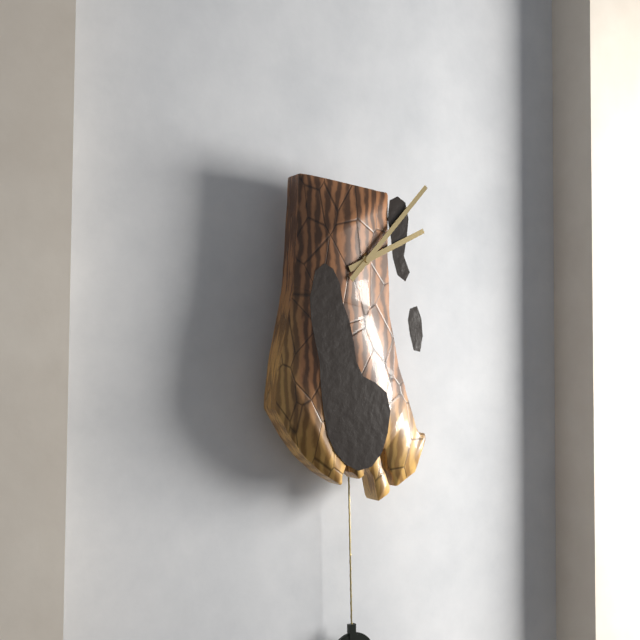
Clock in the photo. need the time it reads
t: 2:07
